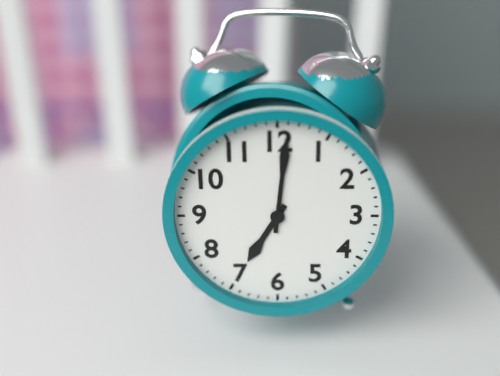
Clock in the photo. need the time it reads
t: 7:01
